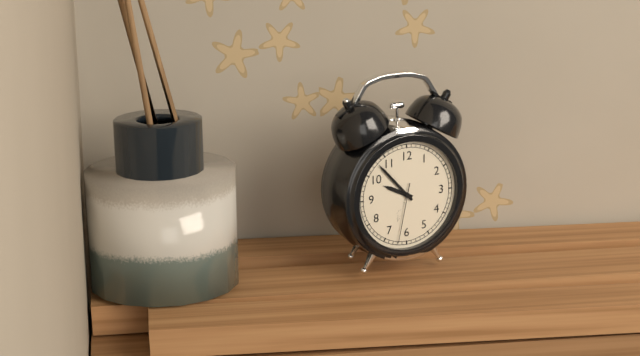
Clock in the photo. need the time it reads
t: 9:53:32
